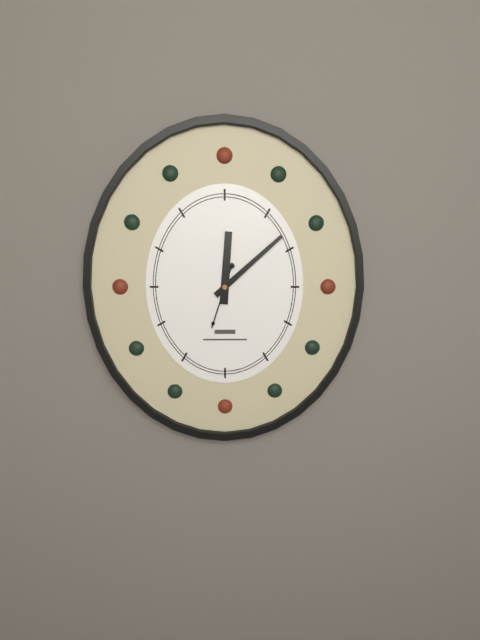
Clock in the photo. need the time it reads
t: 12:08:33
